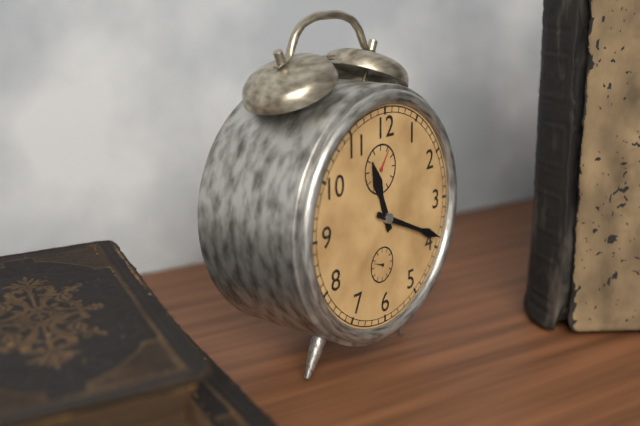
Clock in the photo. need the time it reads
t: 11:19
